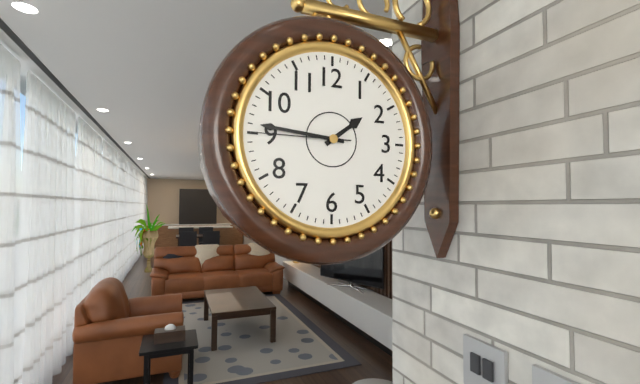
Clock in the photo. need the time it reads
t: 1:46:45
